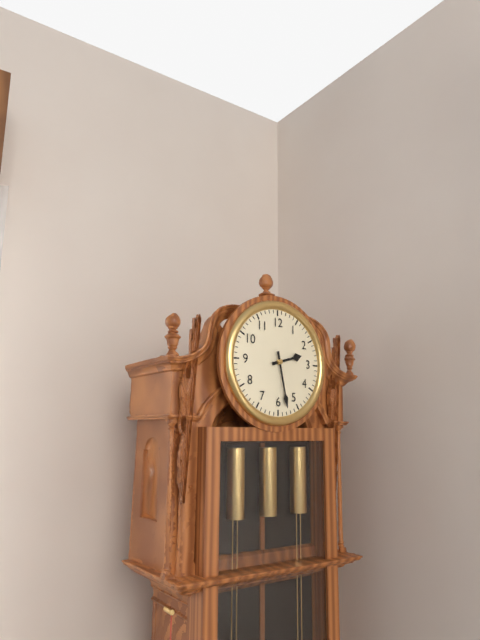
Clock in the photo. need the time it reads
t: 2:28
